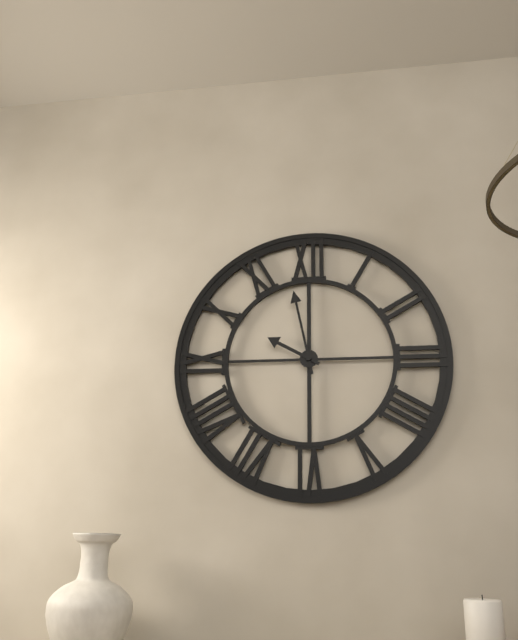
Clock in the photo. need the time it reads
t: 9:58
